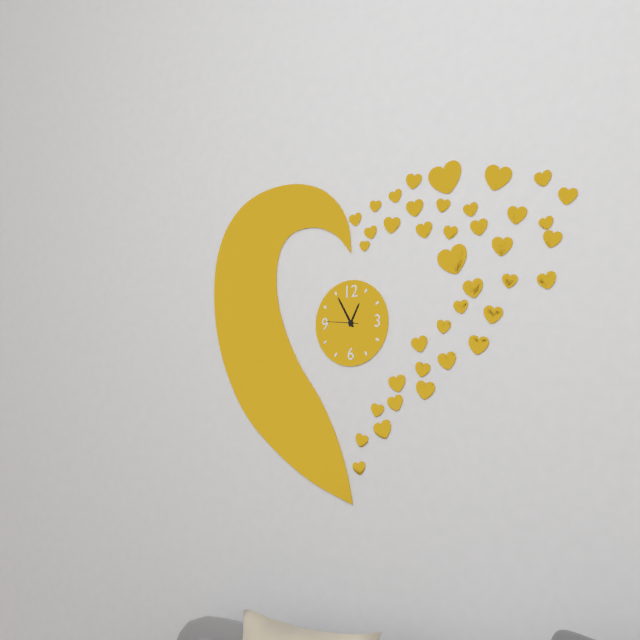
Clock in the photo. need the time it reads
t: 12:55
